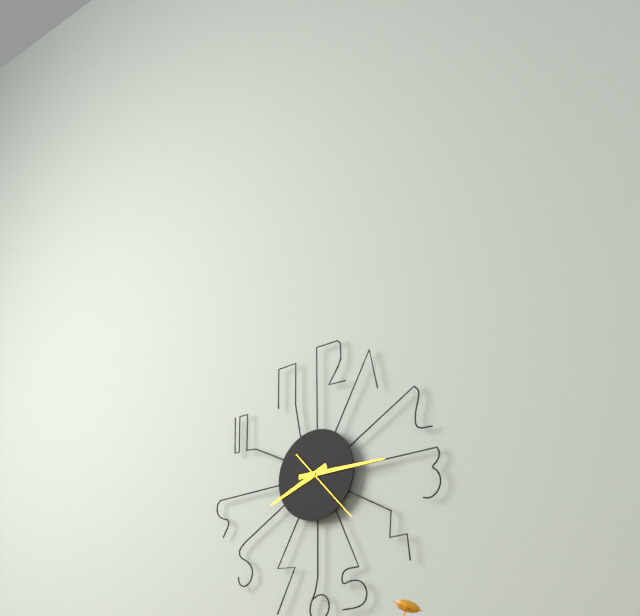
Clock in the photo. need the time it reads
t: 8:15:23
